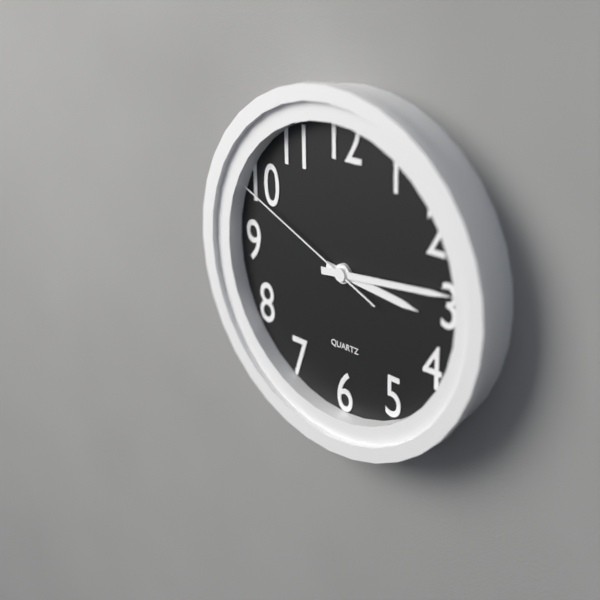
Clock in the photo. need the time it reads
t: 3:14:49
